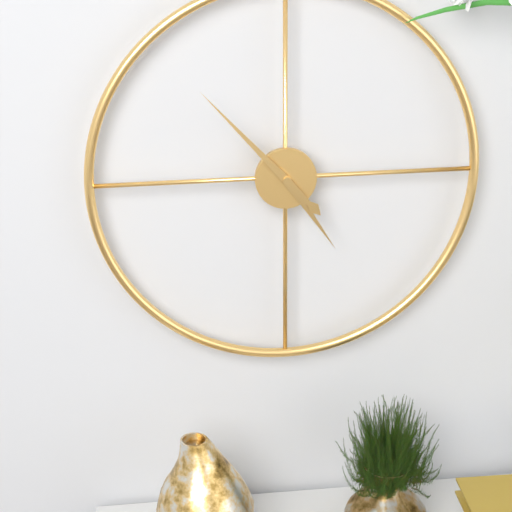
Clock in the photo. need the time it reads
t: 4:53
